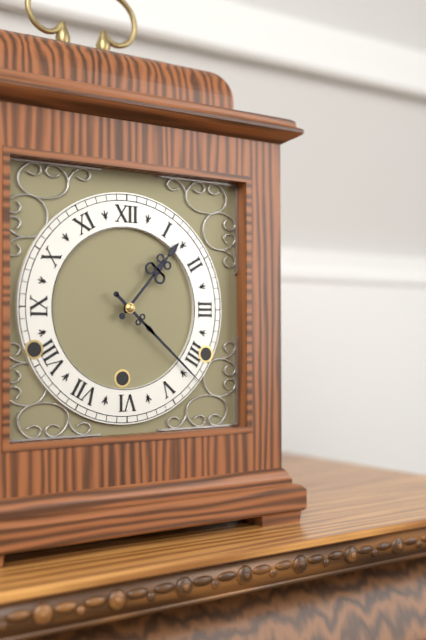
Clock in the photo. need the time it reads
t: 1:22
